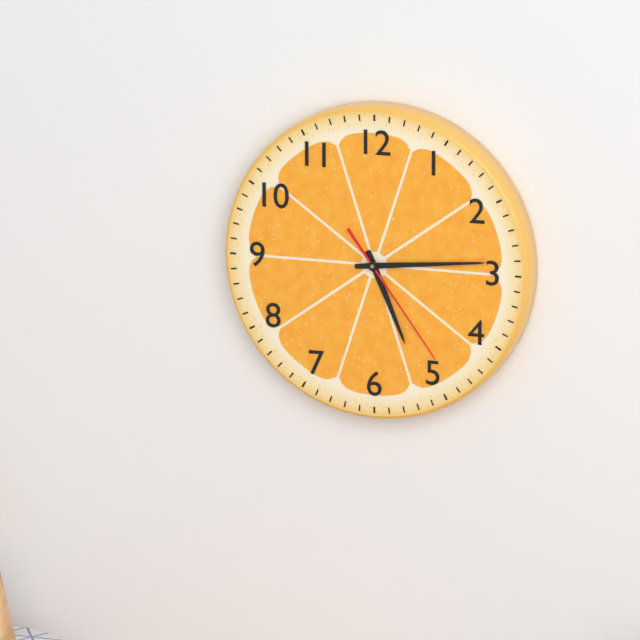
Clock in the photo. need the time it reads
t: 5:14:24
